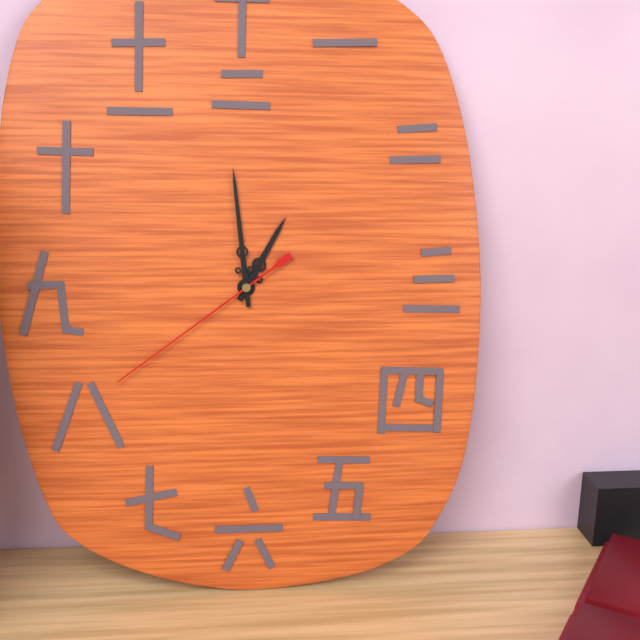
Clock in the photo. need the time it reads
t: 12:59:39
